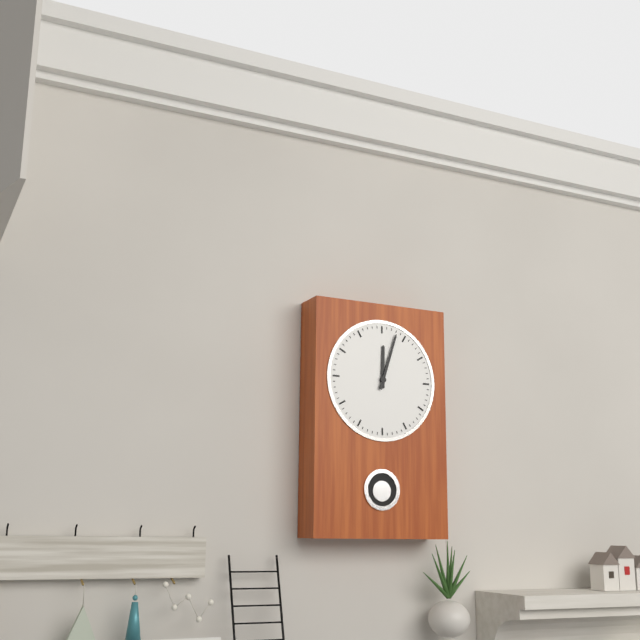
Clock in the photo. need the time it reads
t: 12:03
